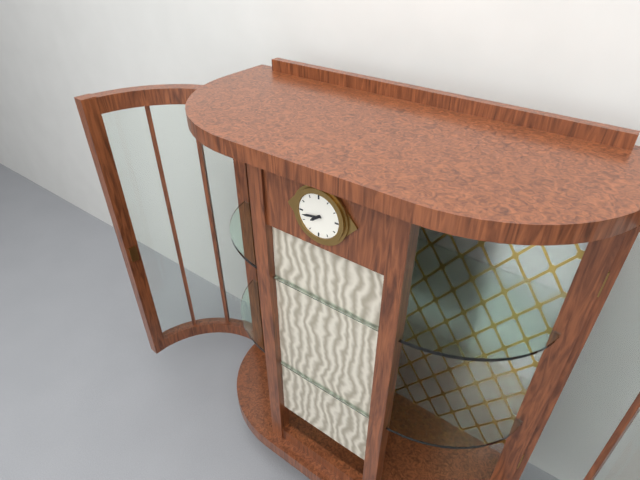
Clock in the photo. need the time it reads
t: 7:43
